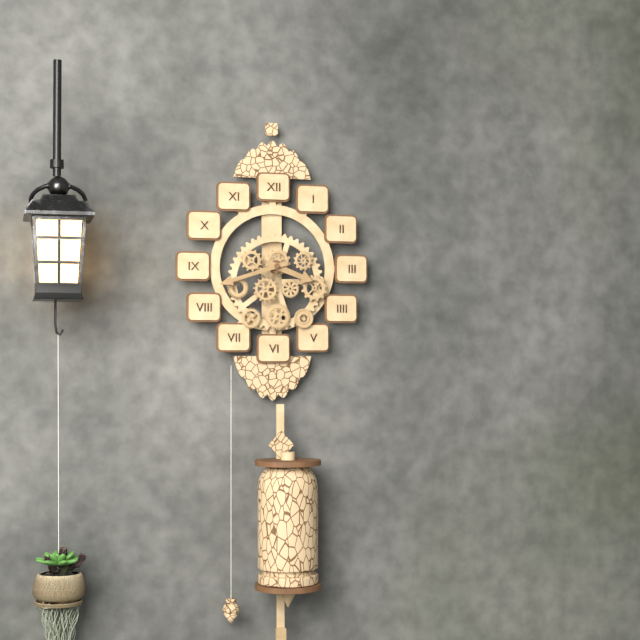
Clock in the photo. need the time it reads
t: 3:42
